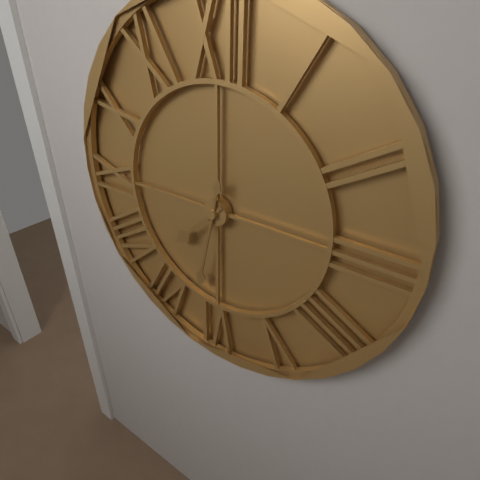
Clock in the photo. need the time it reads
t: 7:32
